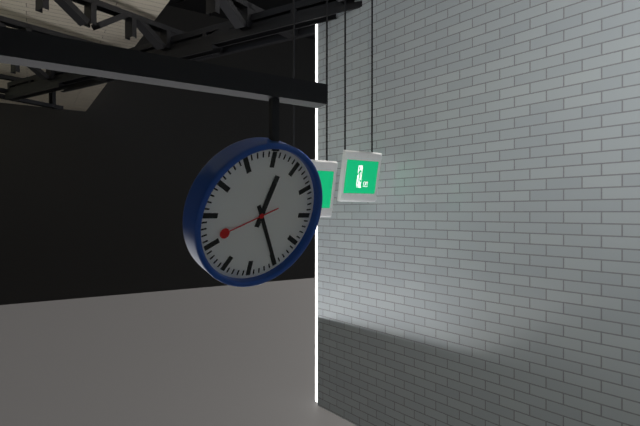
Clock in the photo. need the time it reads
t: 12:25:41
